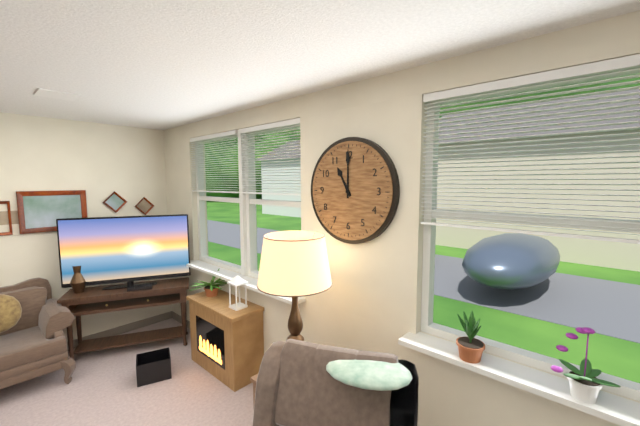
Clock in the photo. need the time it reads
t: 11:00
